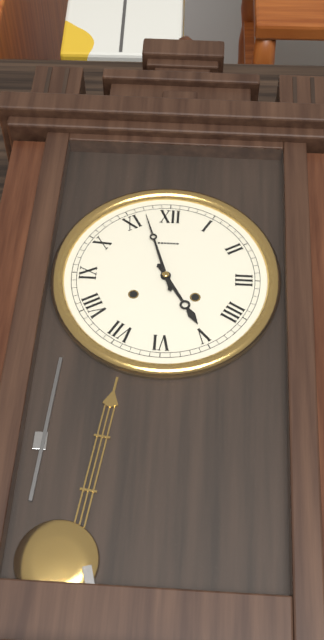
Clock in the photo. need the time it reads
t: 4:57
